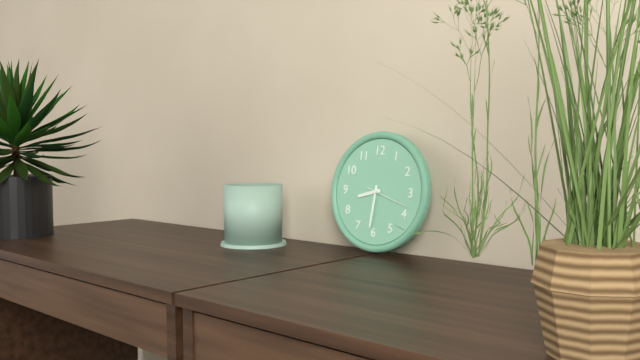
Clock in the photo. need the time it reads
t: 8:31
